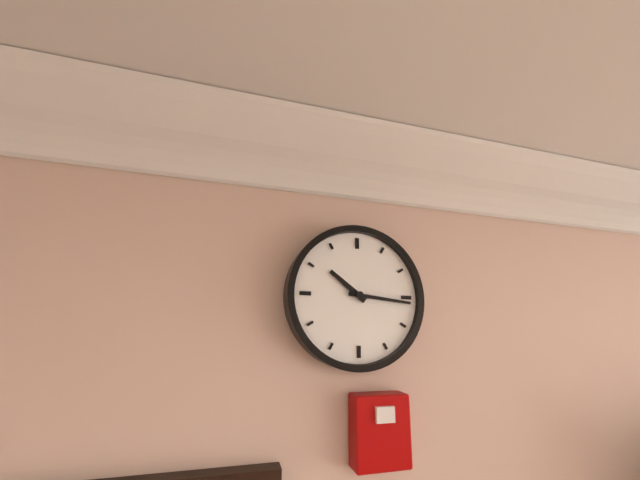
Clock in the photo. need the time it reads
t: 10:16
